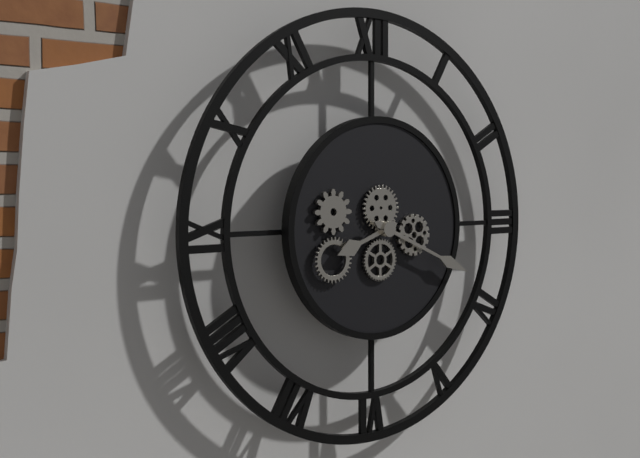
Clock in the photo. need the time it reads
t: 8:19
